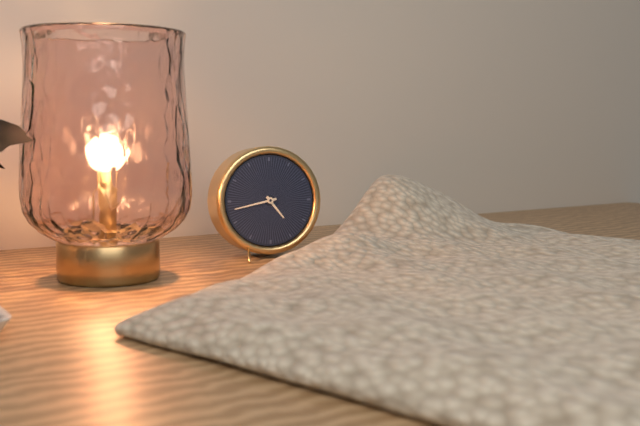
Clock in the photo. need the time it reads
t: 4:43
